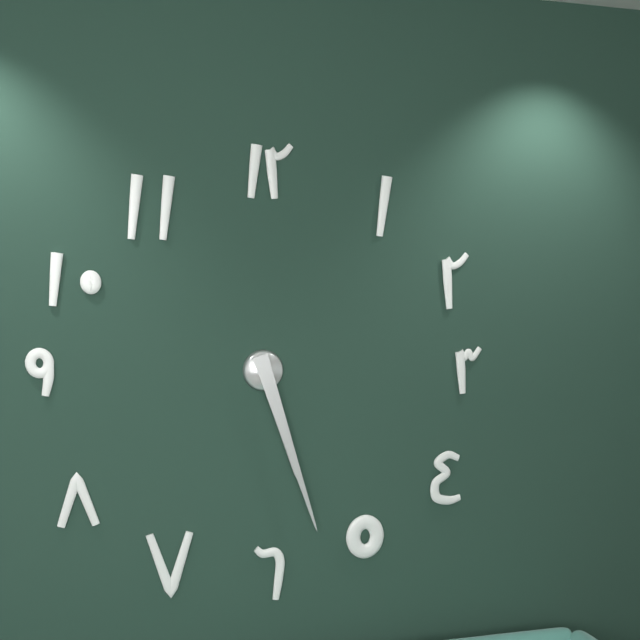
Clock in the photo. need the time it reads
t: 5:27
